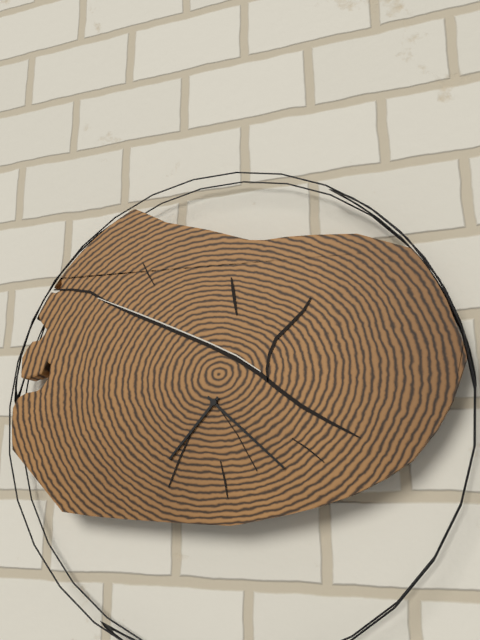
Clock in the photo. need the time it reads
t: 7:22
